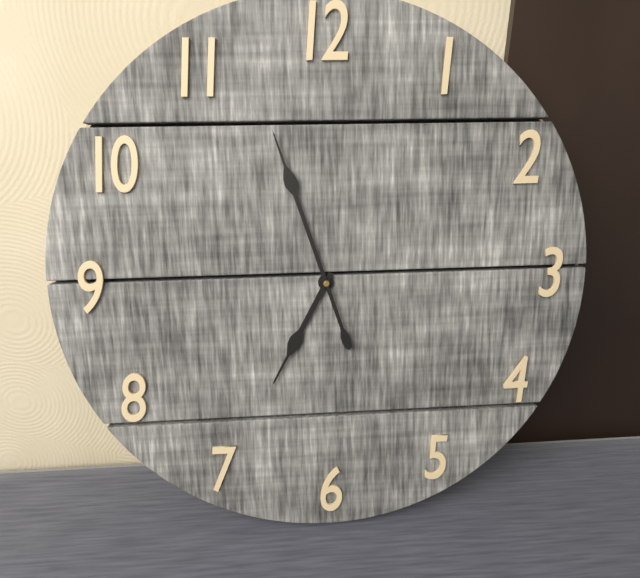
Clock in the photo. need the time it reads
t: 6:57
